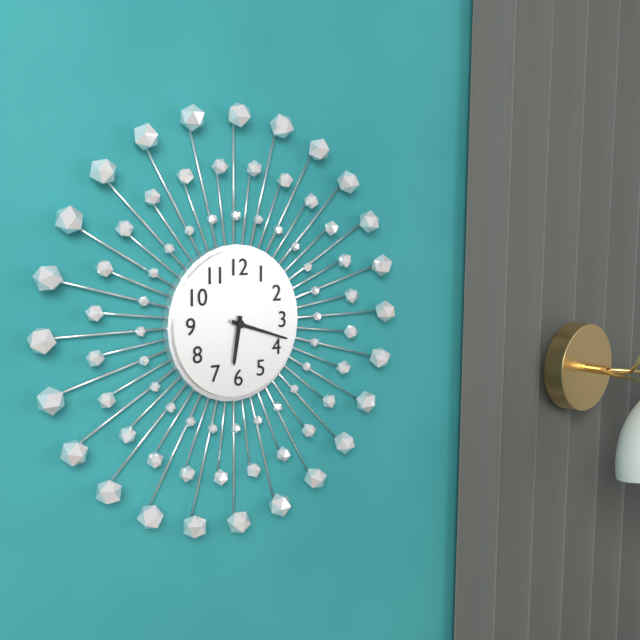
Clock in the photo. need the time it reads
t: 6:18
